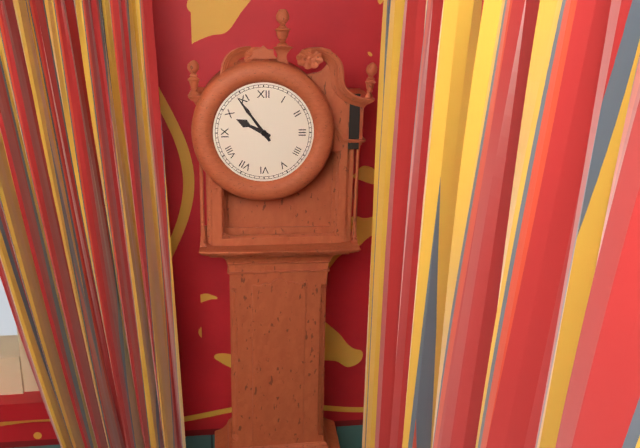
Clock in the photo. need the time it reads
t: 9:54
